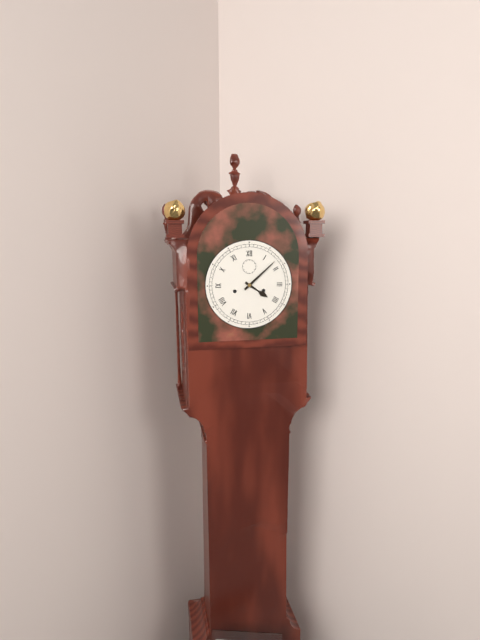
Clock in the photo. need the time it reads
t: 4:08
